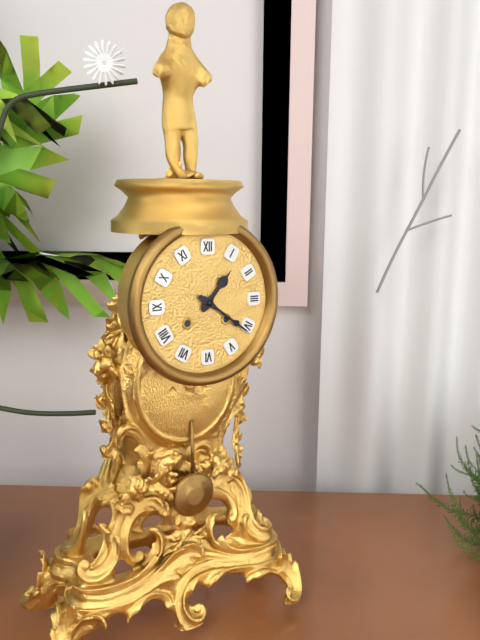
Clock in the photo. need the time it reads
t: 1:21
